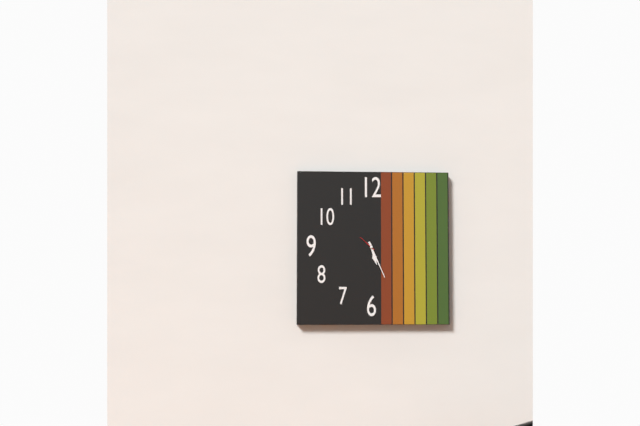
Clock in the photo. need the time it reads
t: 5:26
